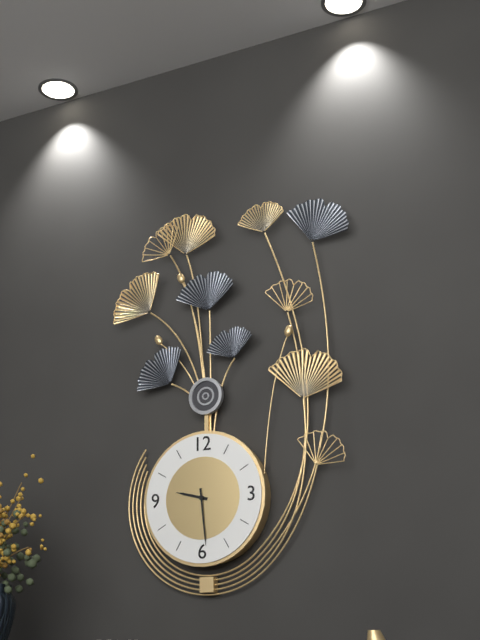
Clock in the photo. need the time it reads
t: 9:29
